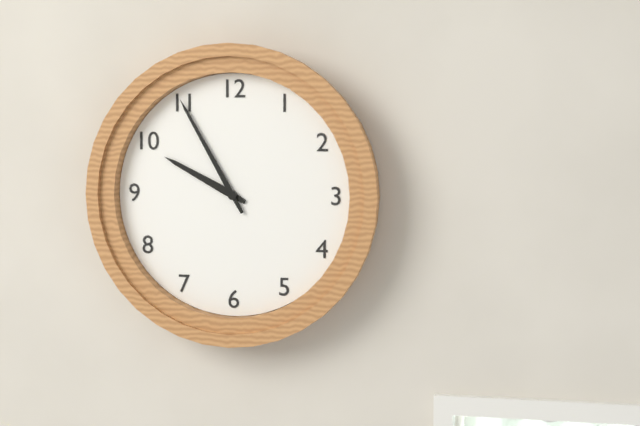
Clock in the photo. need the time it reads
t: 9:55
